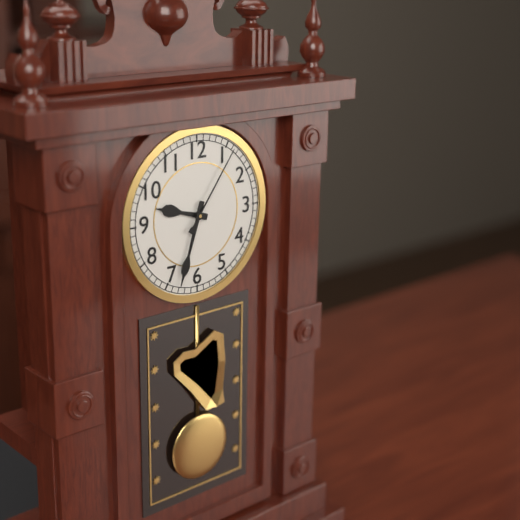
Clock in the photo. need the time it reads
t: 9:33:06
